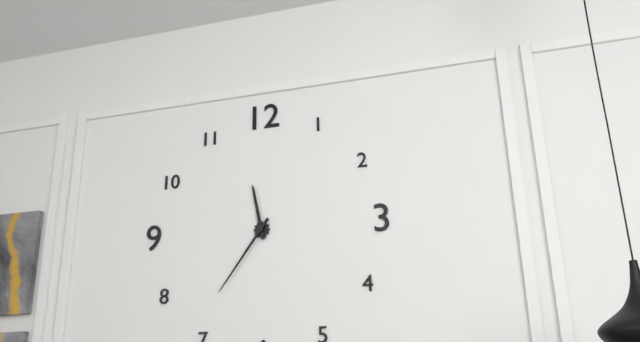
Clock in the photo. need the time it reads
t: 11:36
